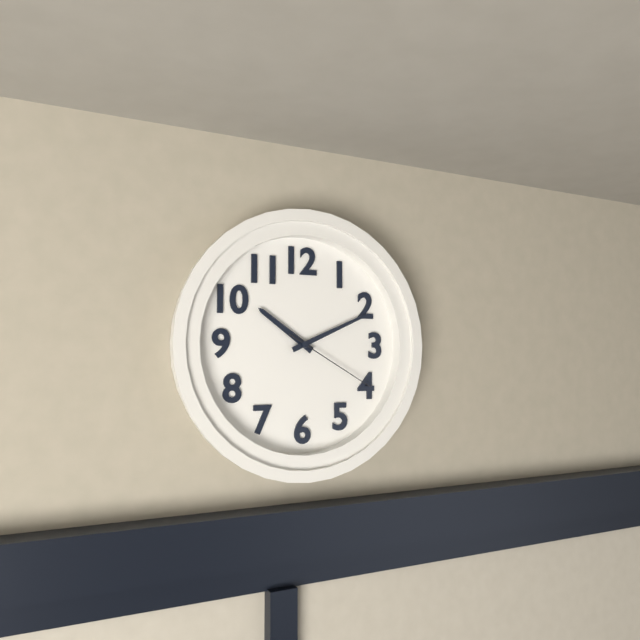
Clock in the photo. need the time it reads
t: 10:11:20
